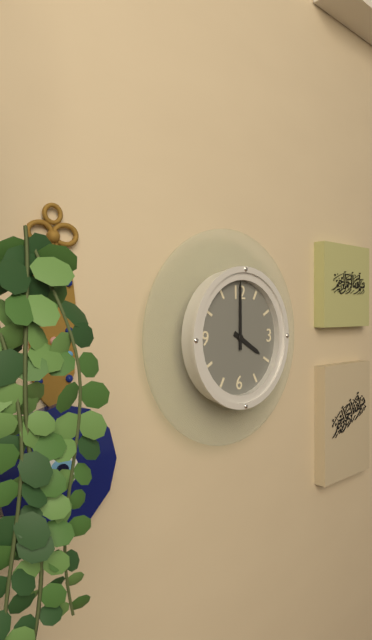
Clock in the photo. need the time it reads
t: 4:00
